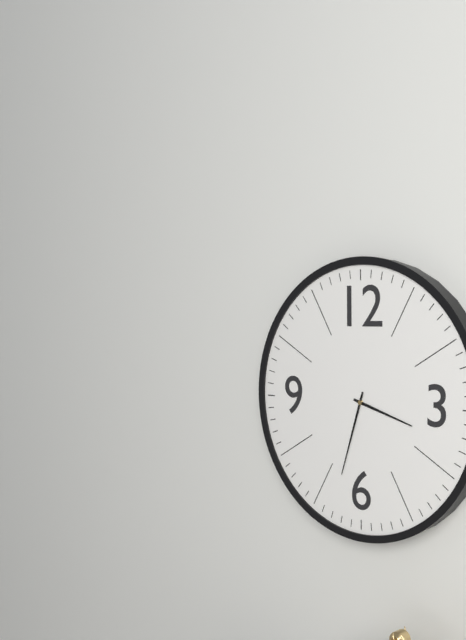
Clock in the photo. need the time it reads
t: 3:33
